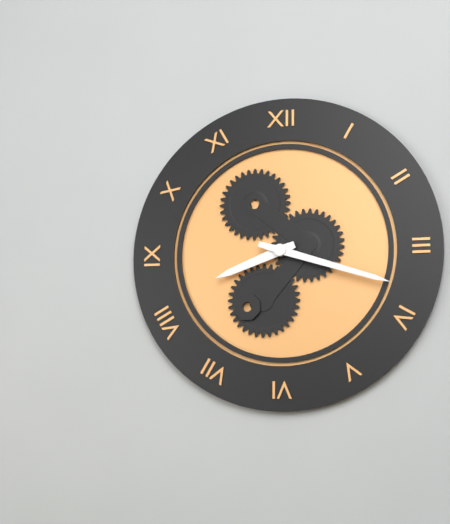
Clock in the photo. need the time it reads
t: 8:18
